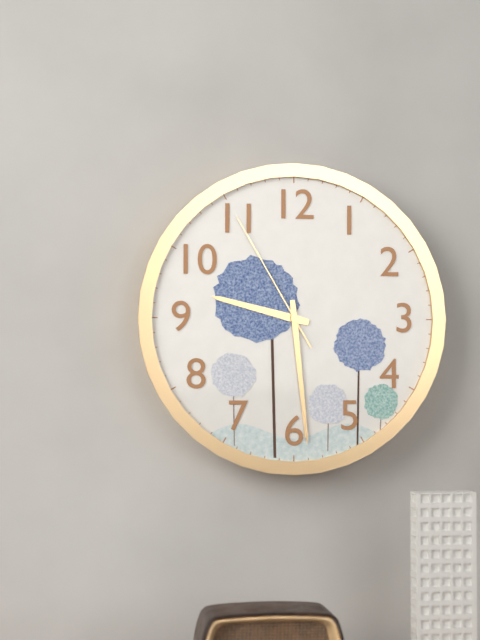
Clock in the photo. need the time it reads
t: 9:29:55
